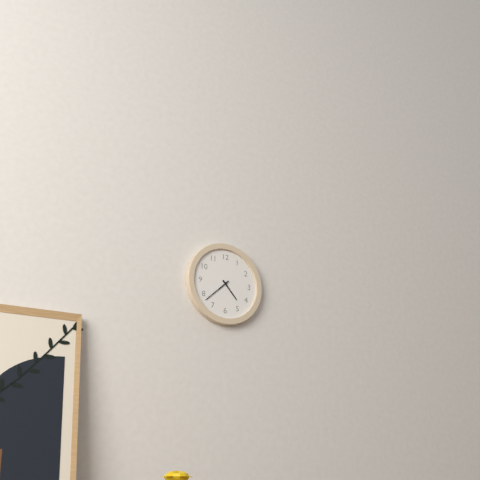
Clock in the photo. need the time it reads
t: 4:38
